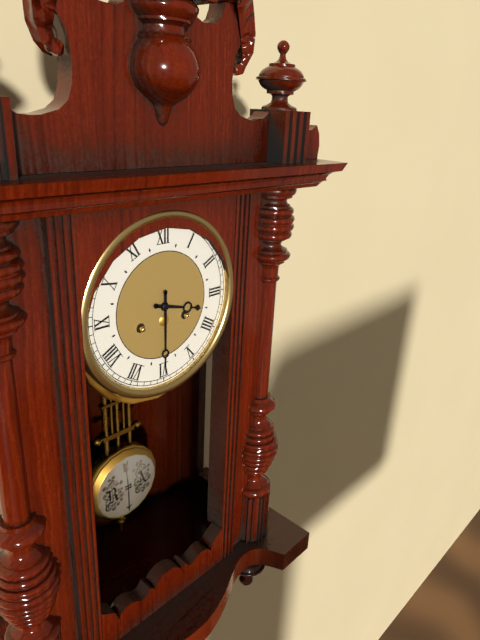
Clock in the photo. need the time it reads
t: 3:30
